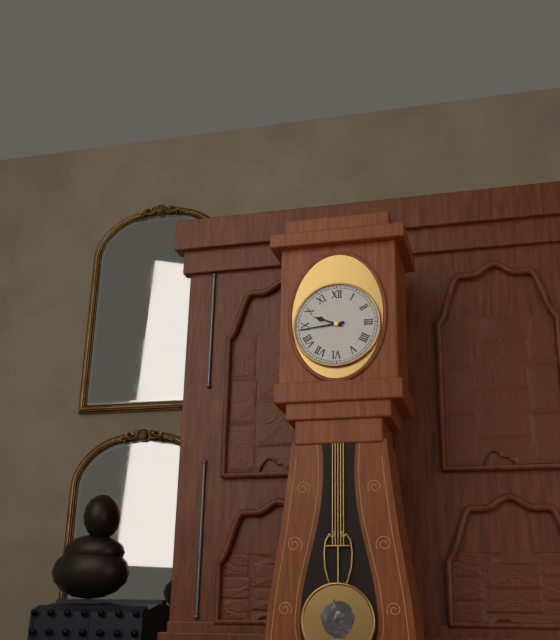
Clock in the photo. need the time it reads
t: 9:44
